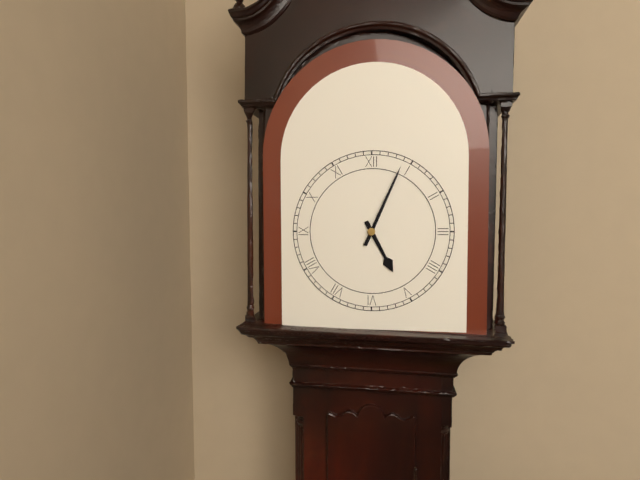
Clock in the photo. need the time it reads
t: 5:04
